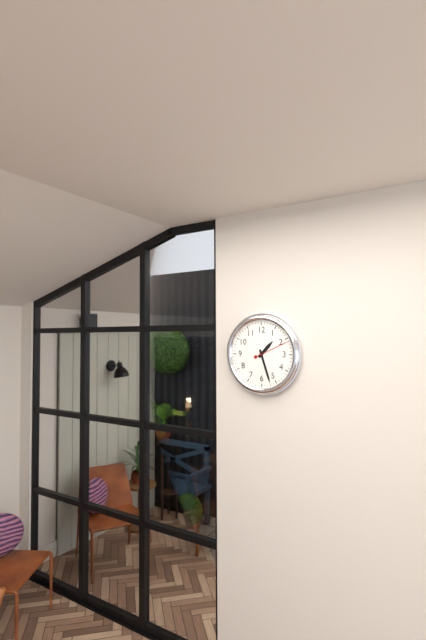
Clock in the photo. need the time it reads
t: 1:27
